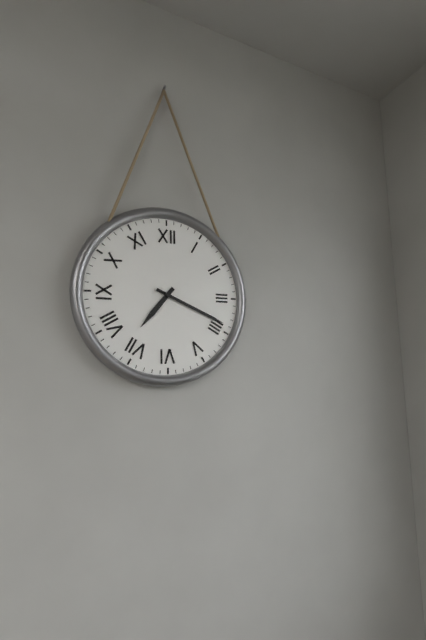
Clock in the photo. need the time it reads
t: 7:19
